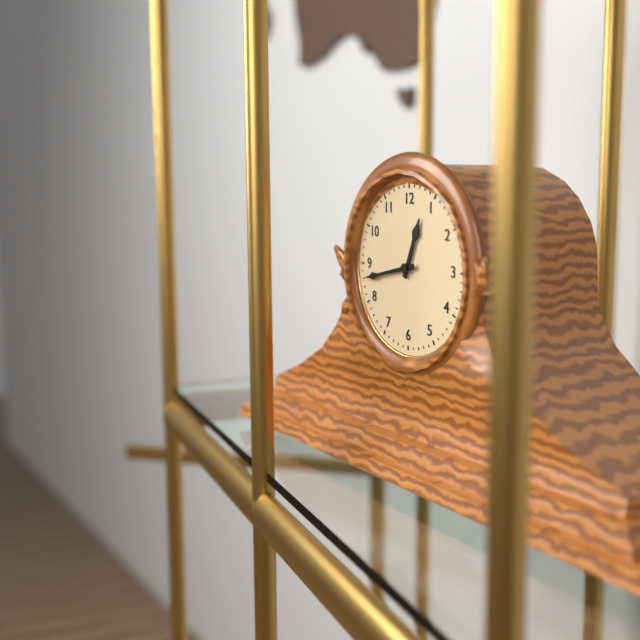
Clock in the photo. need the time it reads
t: 12:43
